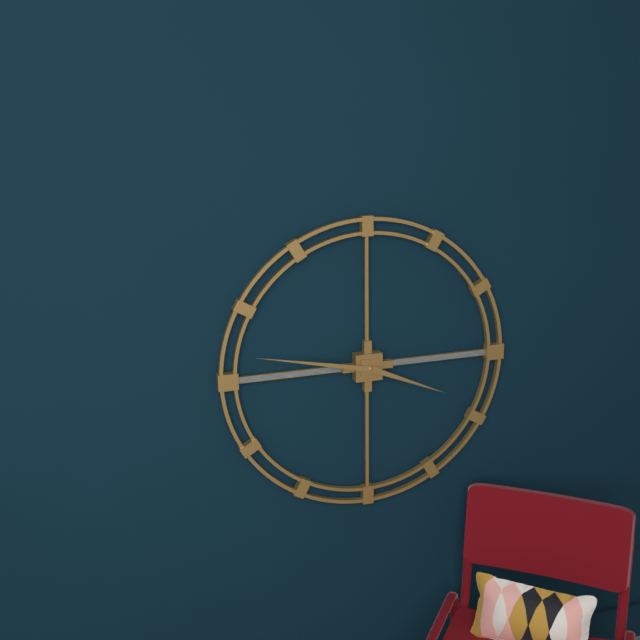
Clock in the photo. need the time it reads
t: 3:47
